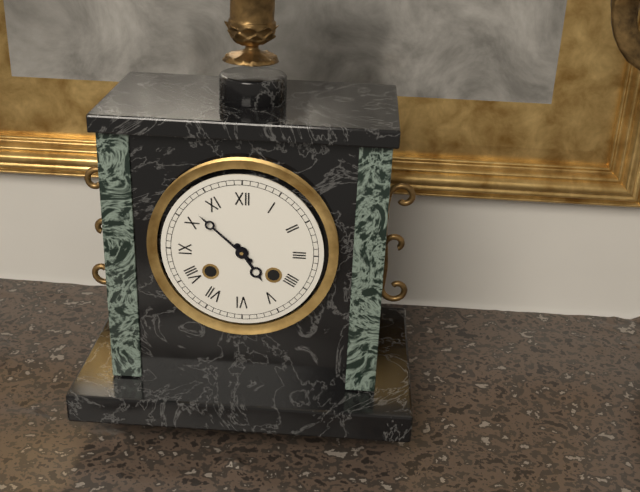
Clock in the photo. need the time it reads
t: 4:52
